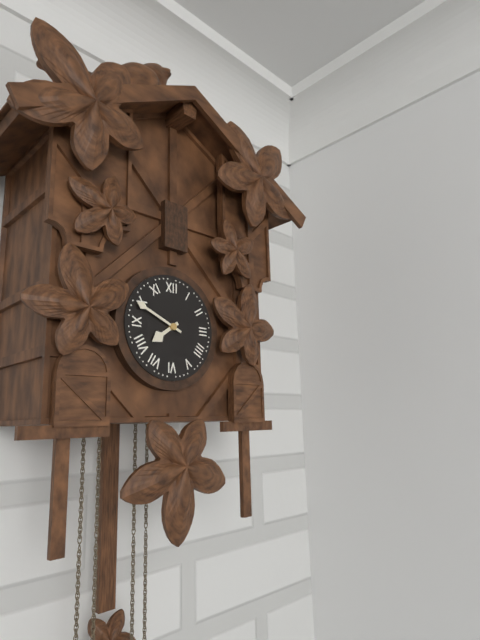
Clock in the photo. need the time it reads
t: 7:49
